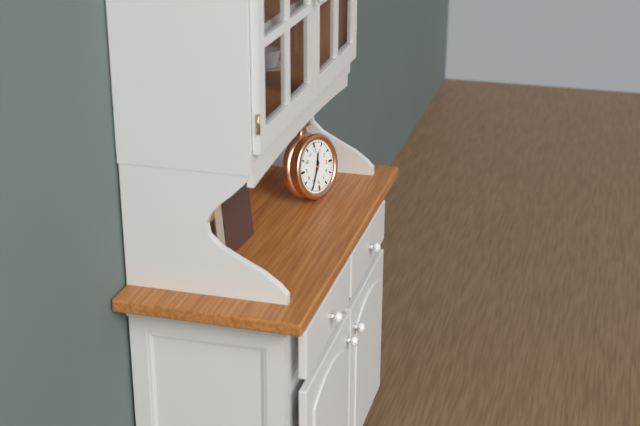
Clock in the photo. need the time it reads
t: 12:35
